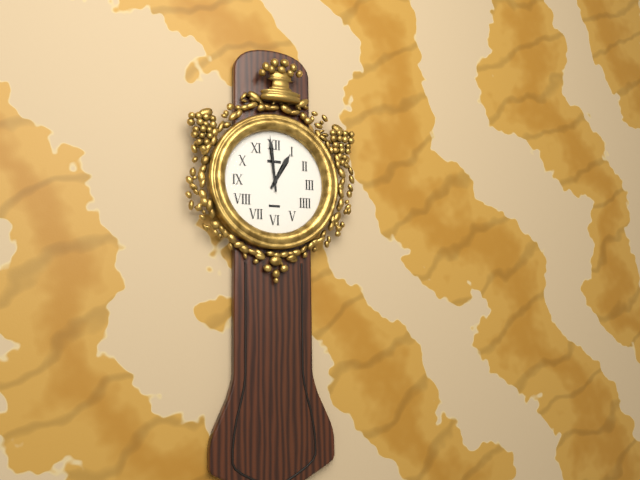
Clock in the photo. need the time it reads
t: 12:59
